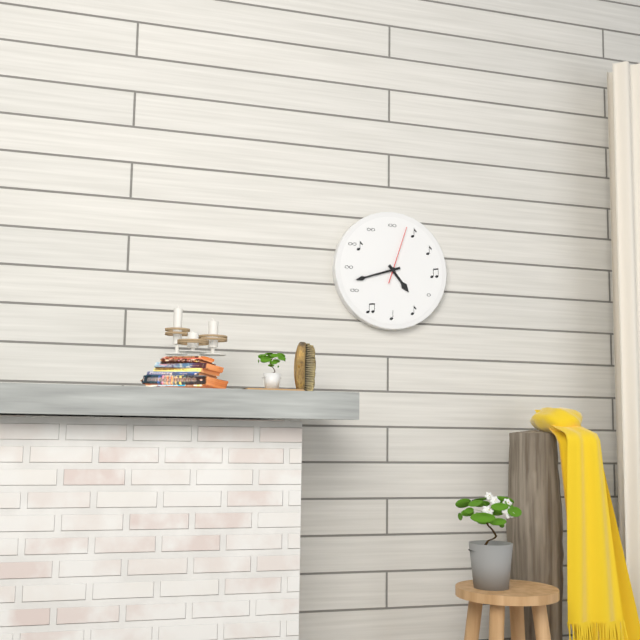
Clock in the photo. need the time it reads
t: 4:42:03
